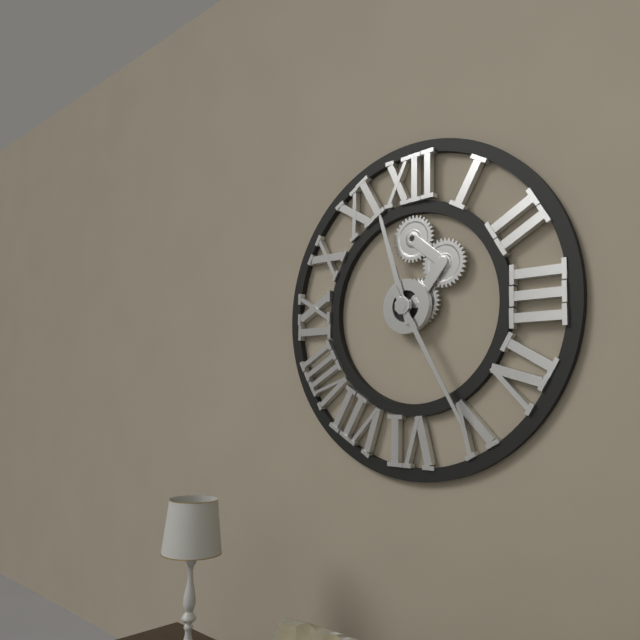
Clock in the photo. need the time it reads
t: 11:25
